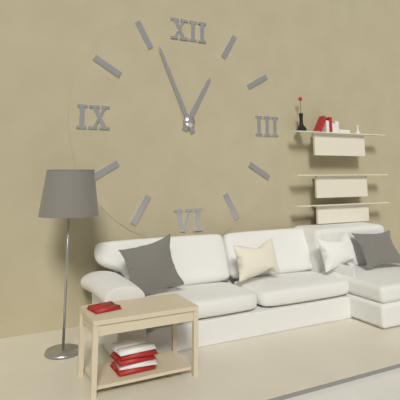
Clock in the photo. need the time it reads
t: 12:56
